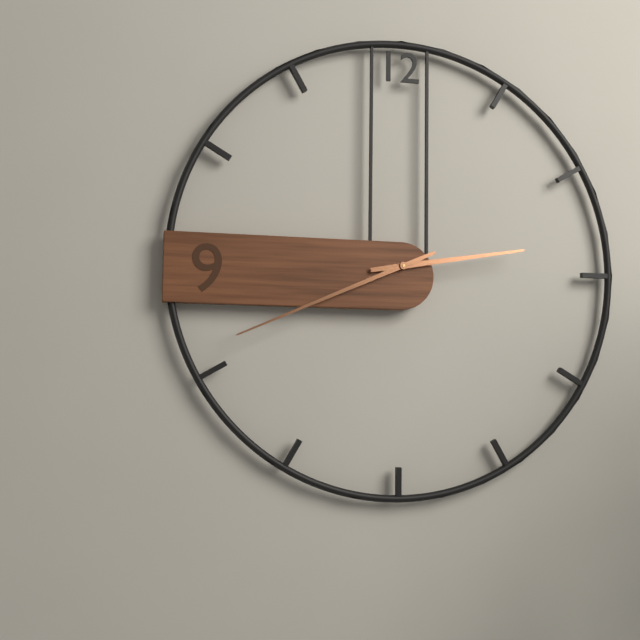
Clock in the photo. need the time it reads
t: 2:41
